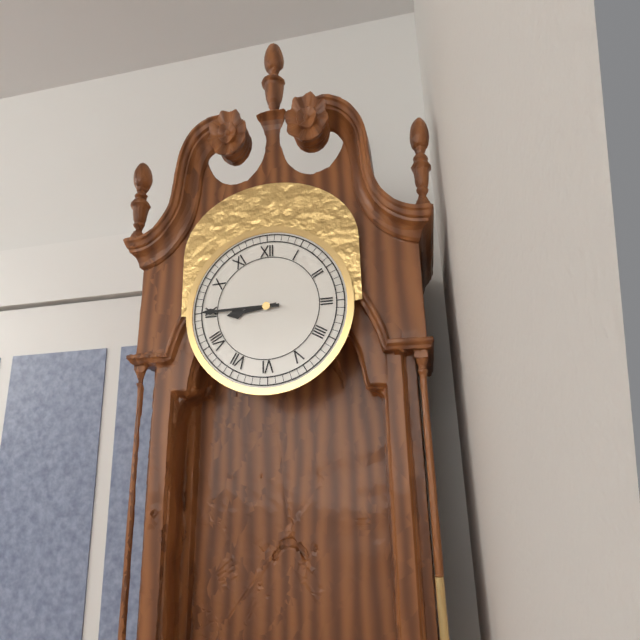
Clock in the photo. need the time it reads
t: 8:45
